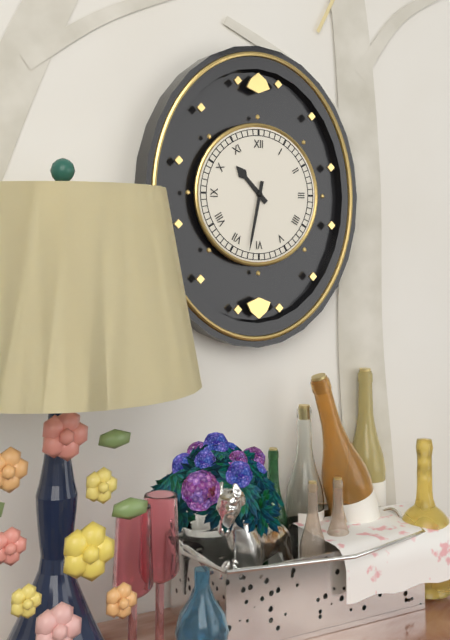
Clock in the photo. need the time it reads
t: 10:32
